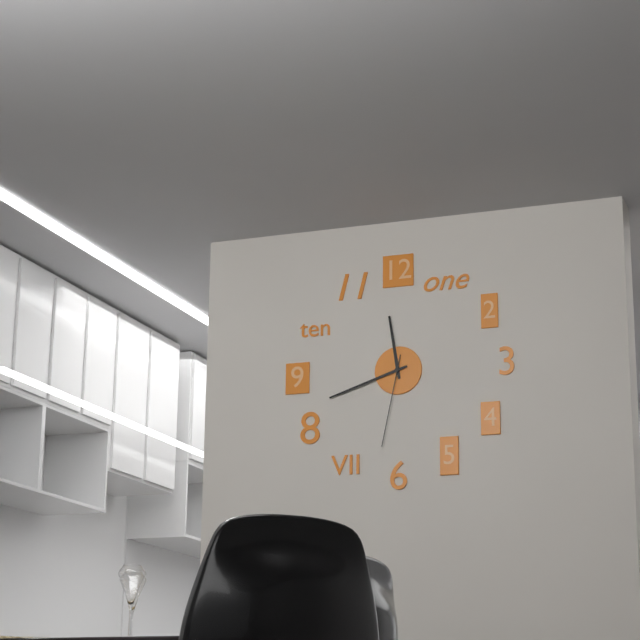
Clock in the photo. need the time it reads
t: 11:42:32
